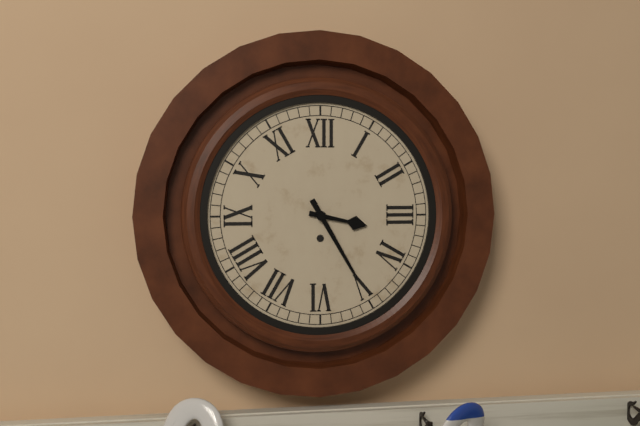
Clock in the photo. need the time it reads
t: 3:25
